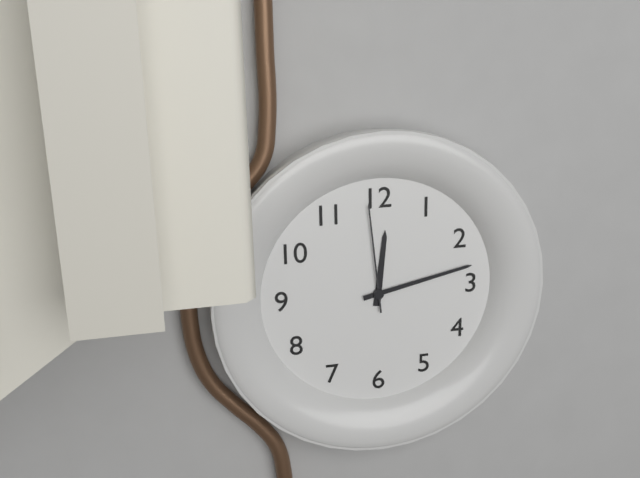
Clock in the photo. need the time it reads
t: 12:13:59
